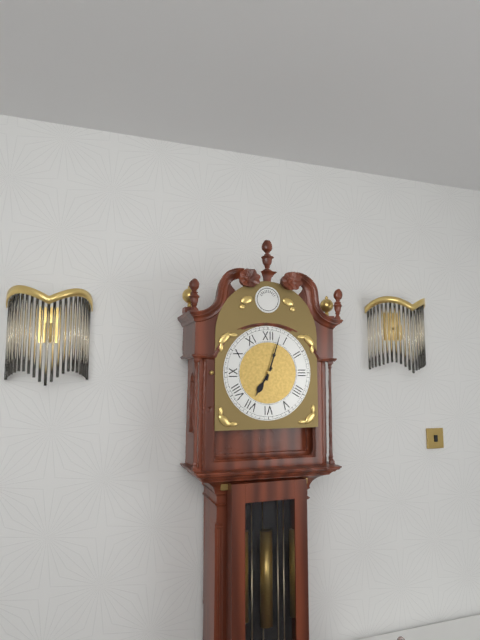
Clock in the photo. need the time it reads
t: 7:03
